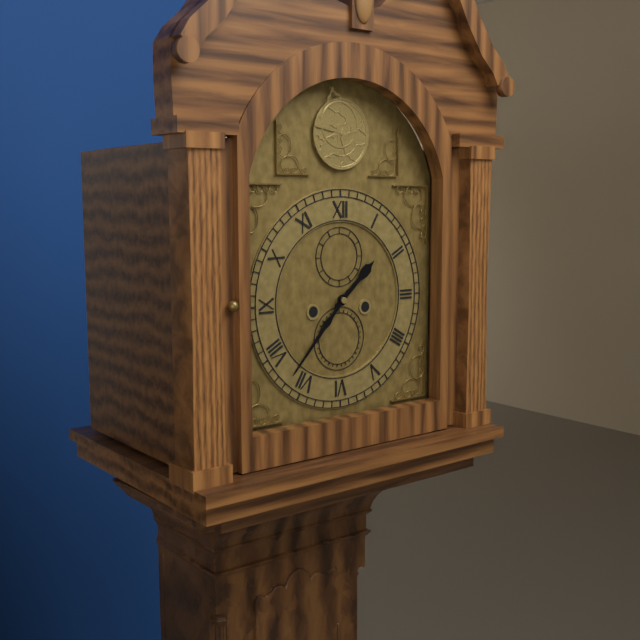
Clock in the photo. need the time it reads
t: 1:37
